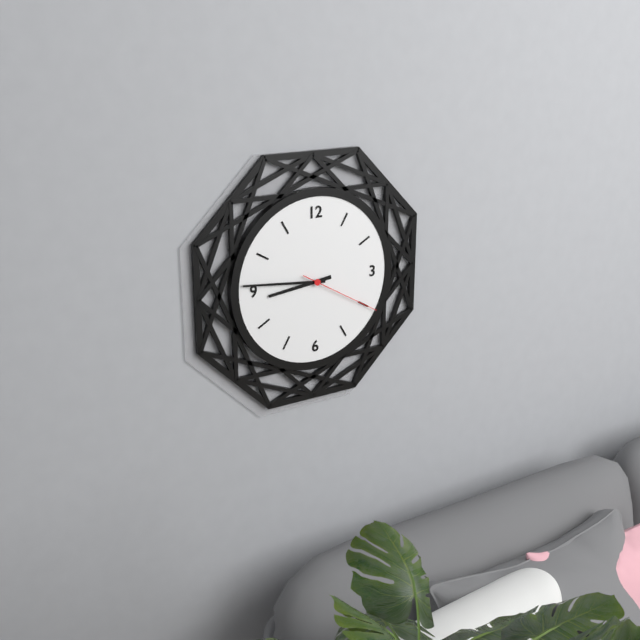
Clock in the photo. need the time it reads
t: 8:46:20
